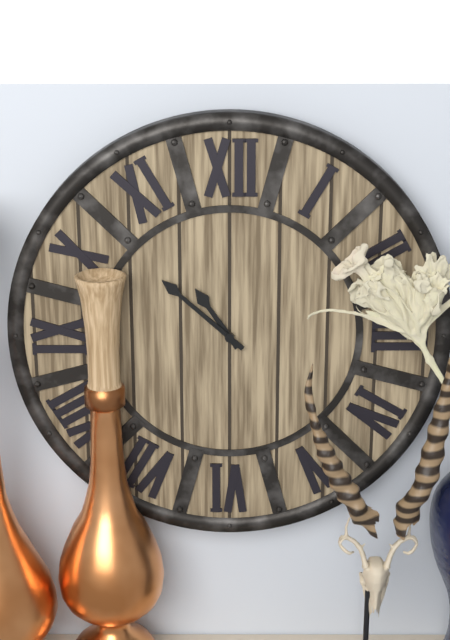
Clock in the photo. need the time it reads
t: 10:52
